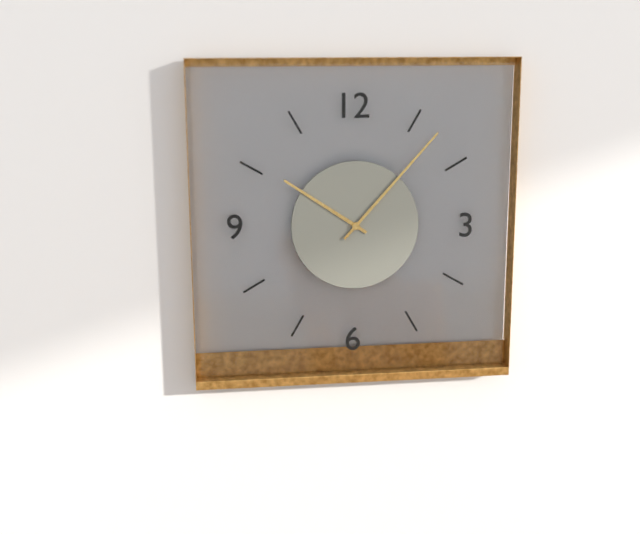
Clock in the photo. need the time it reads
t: 10:07
